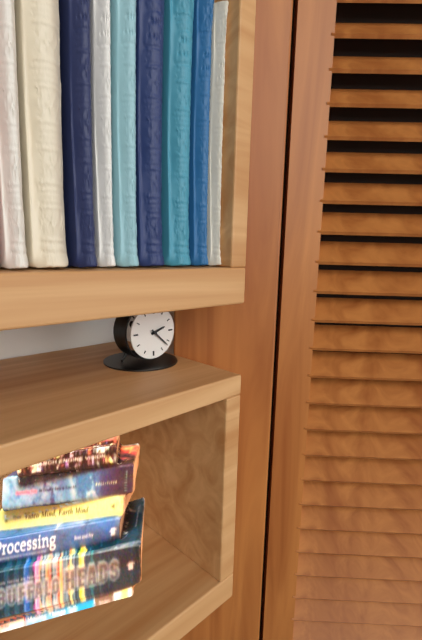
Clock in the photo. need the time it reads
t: 2:22
